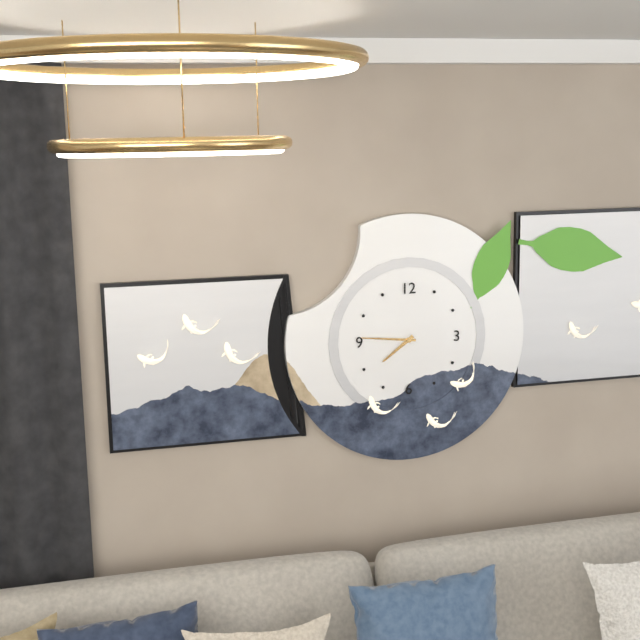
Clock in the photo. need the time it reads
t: 7:46
